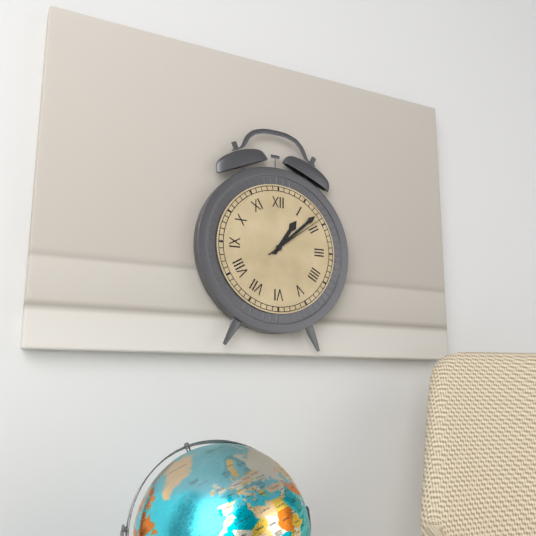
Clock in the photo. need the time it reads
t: 1:08:09
